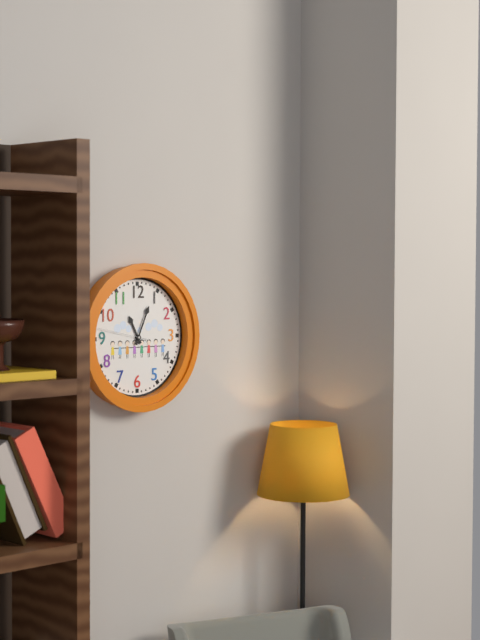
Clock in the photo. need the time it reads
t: 11:04
